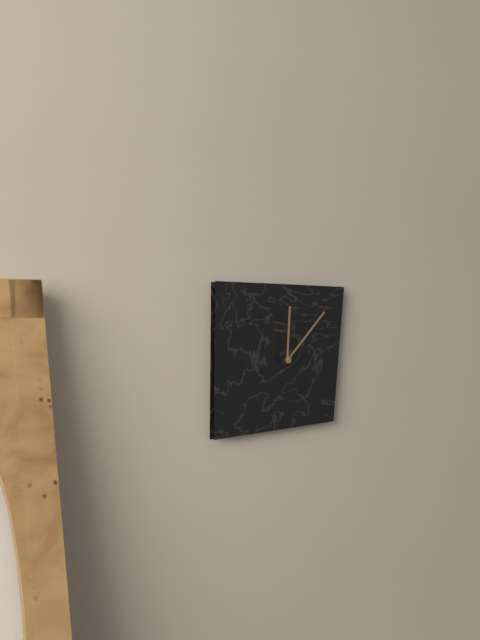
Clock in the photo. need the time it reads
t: 12:07
